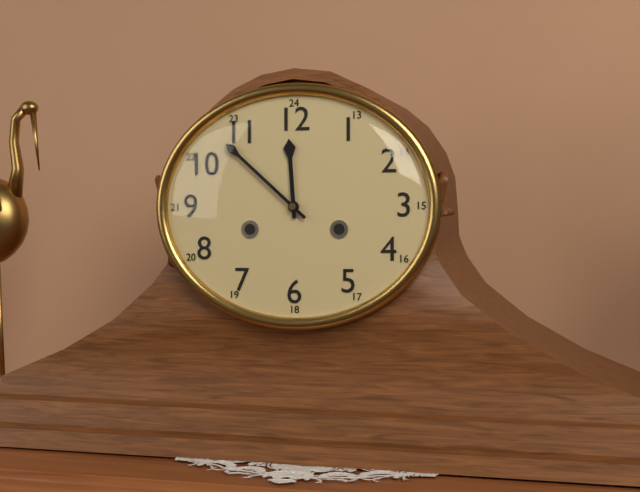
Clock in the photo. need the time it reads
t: 11:52
